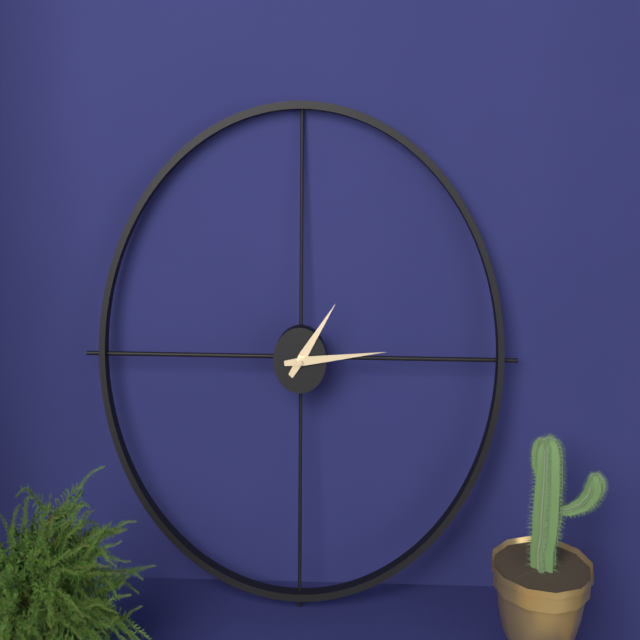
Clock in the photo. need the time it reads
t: 1:14
